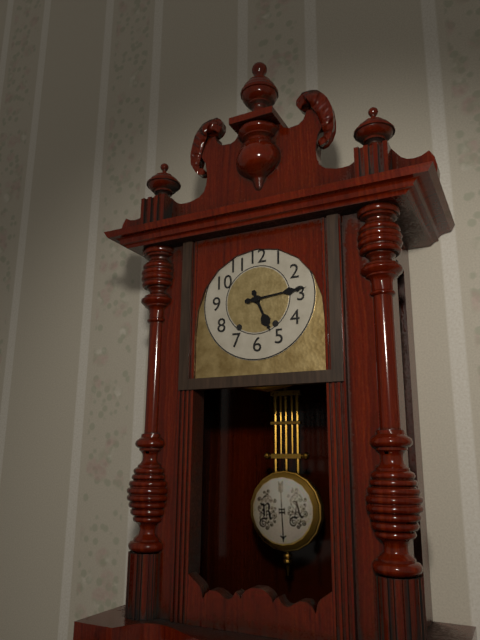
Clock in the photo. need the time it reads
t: 5:14
